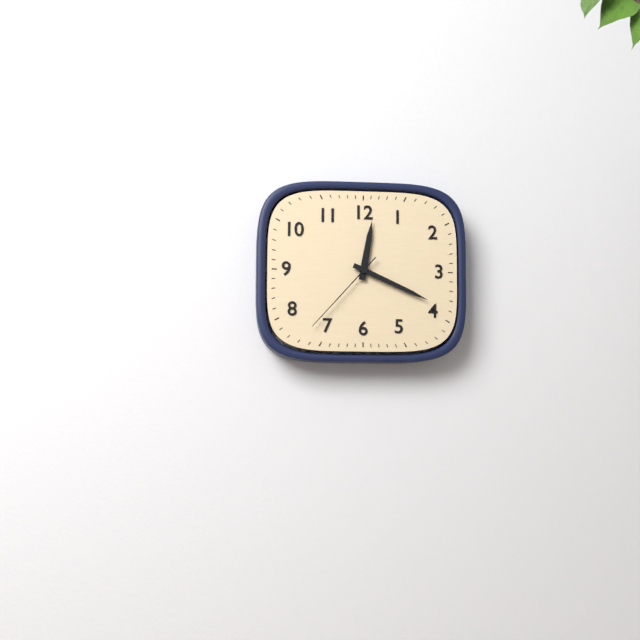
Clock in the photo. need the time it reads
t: 12:19:37
